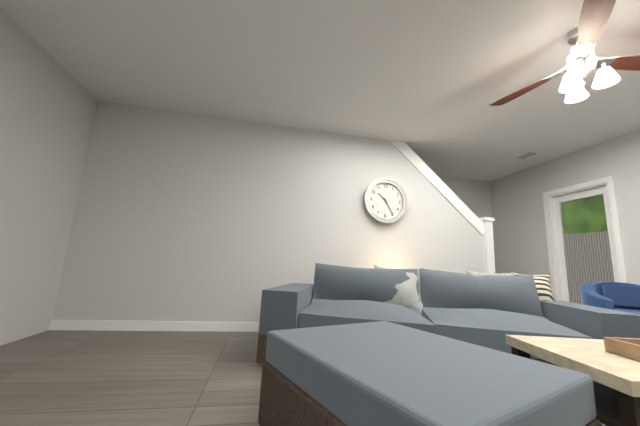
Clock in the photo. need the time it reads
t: 10:25
